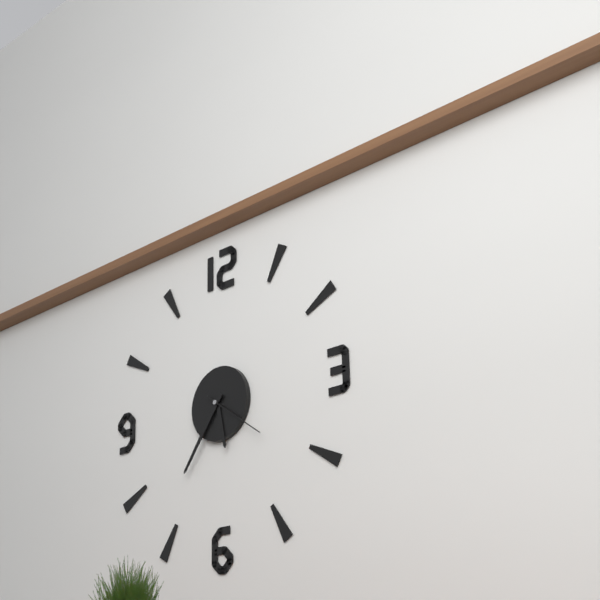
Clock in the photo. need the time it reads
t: 5:36:21
